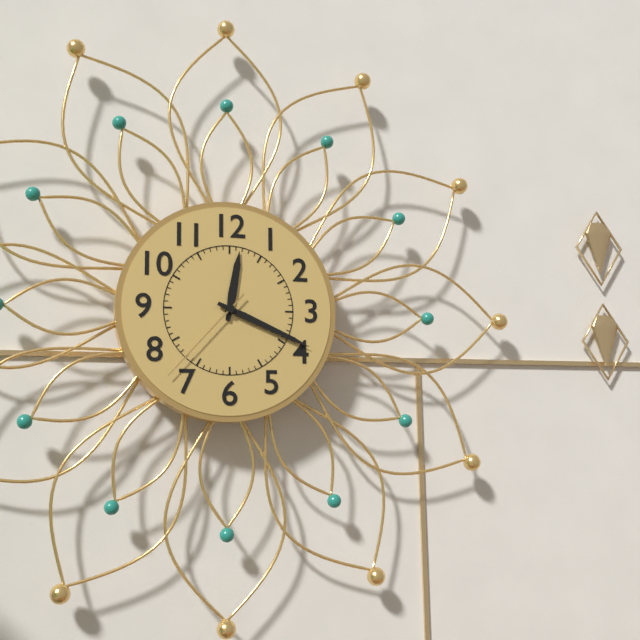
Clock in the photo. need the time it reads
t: 12:19:37
